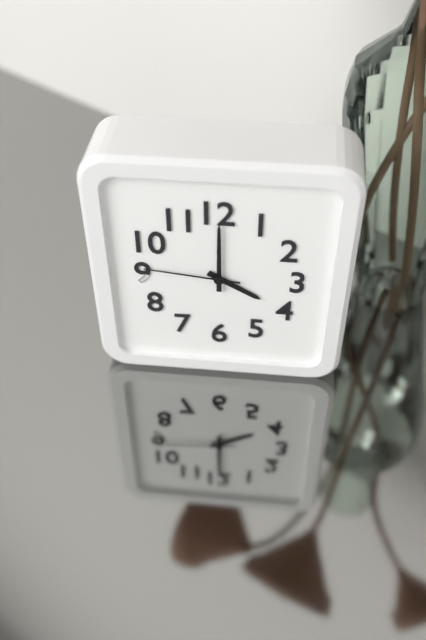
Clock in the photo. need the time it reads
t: 4:00:46
